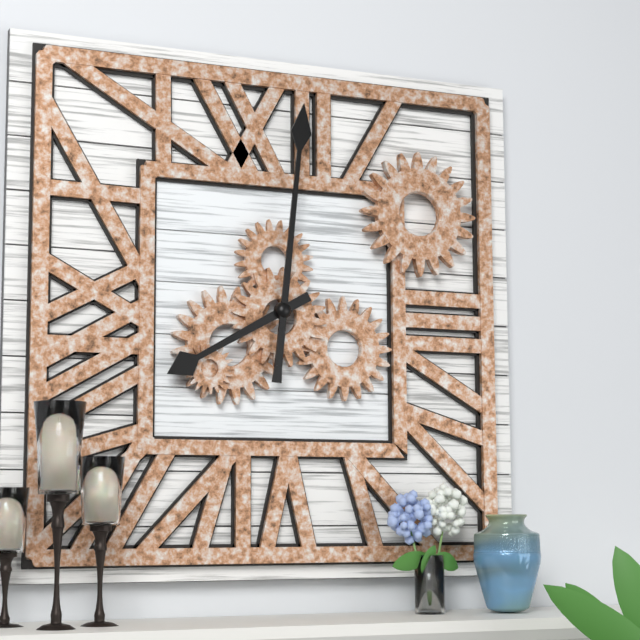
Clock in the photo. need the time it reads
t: 8:01
